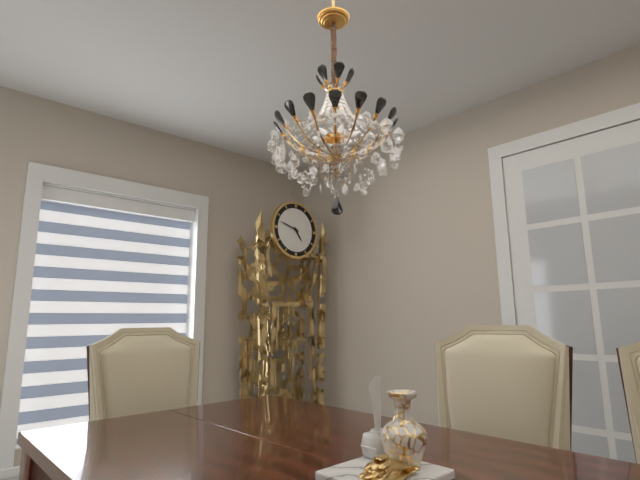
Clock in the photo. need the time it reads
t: 4:48
